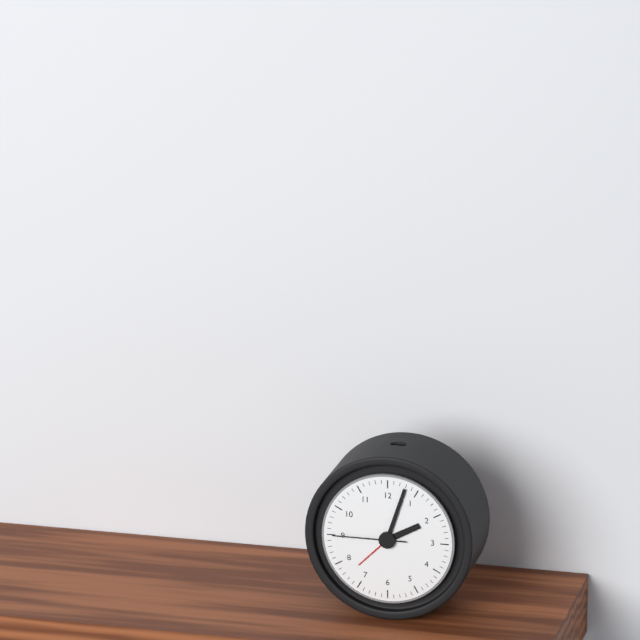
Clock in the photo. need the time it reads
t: 2:03:45
